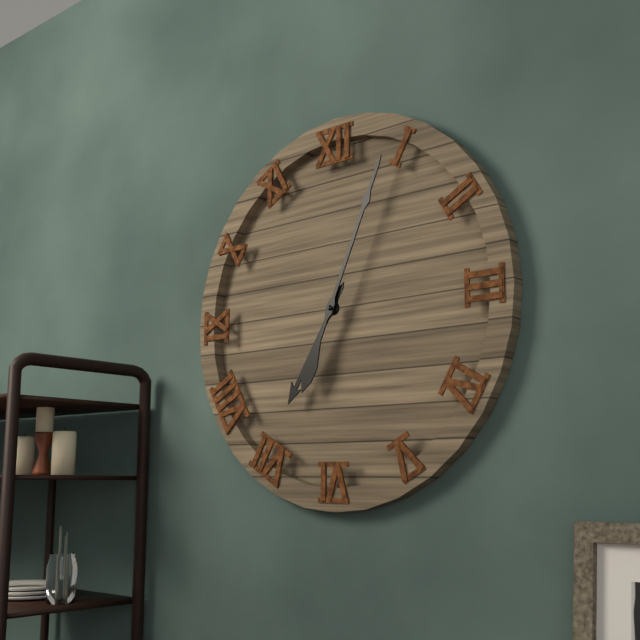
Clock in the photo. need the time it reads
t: 7:04
